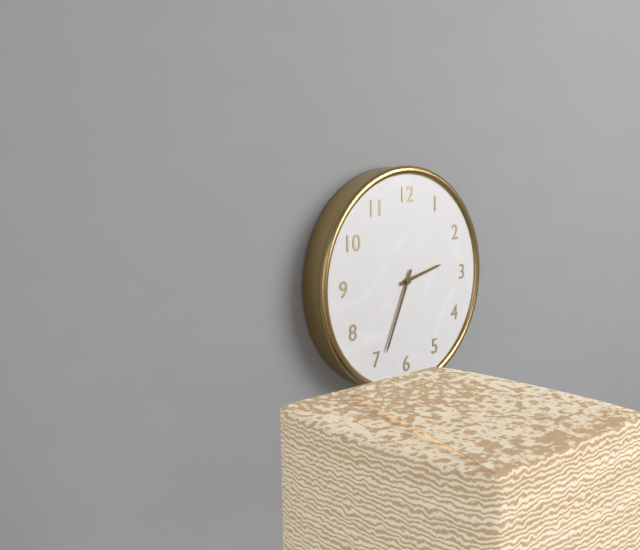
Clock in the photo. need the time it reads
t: 2:34
